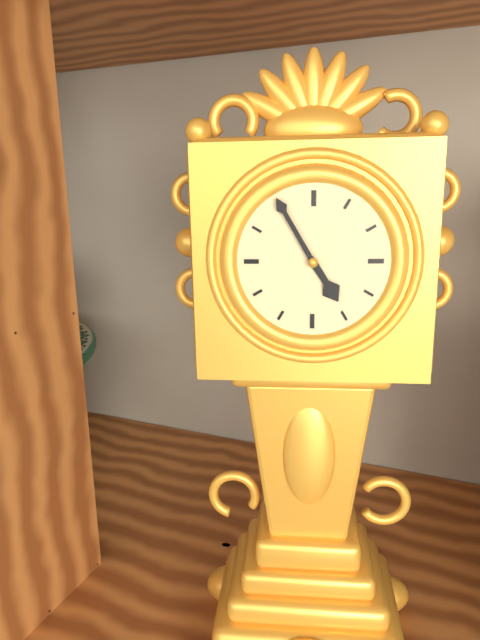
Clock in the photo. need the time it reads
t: 4:55
